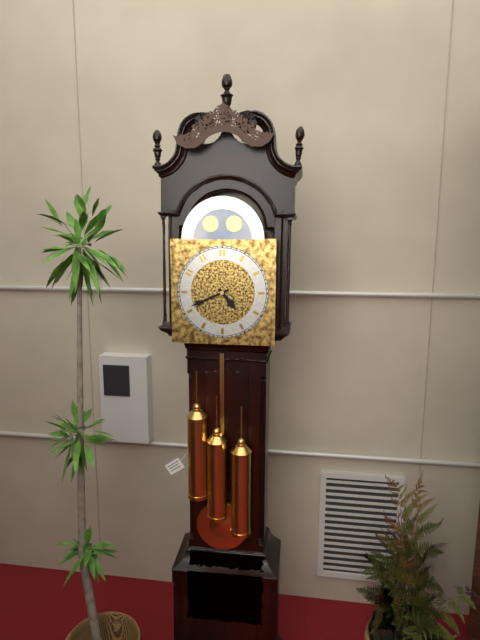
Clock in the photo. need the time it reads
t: 4:41
